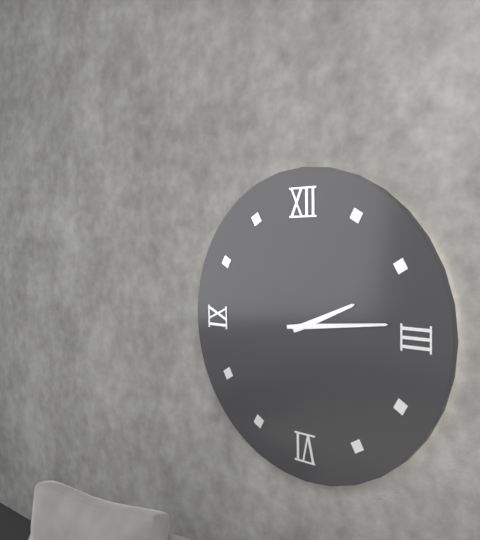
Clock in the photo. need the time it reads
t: 2:14
